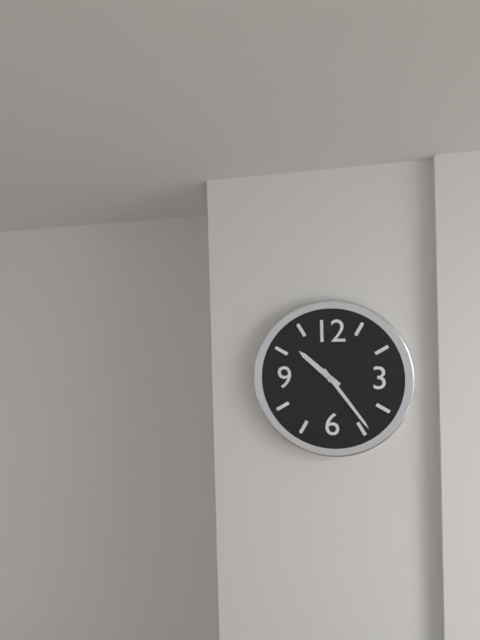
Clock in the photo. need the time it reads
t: 10:24
